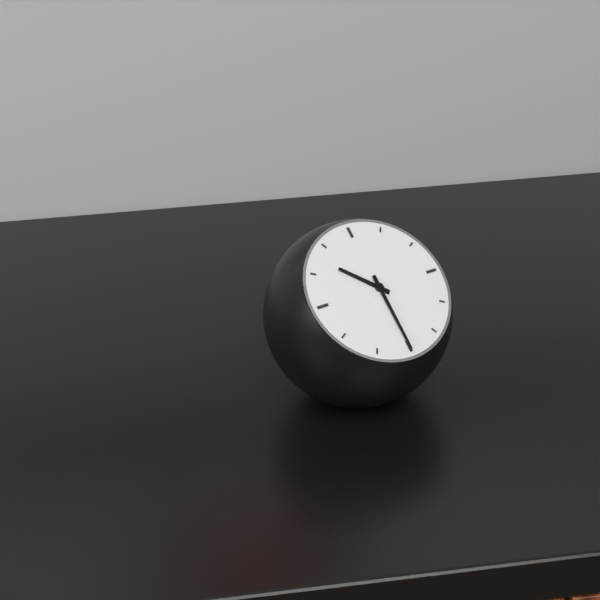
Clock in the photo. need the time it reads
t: 10:30
